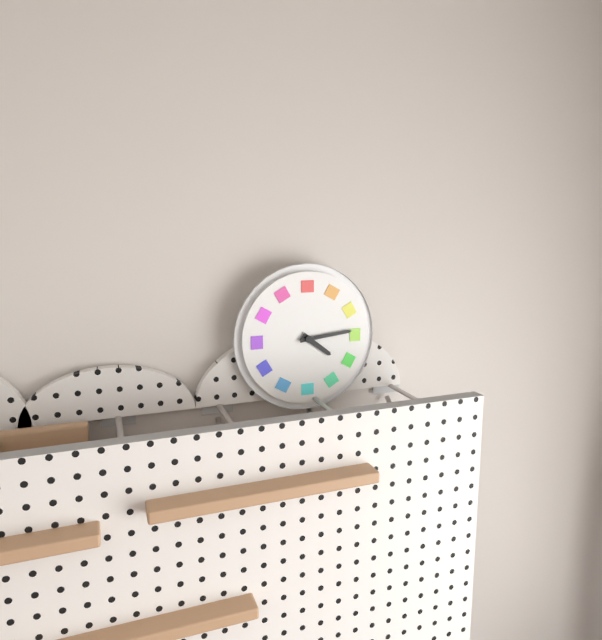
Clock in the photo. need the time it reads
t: 4:14
